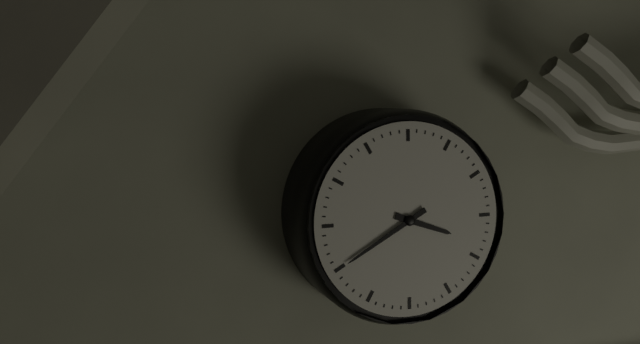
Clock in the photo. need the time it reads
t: 3:40
